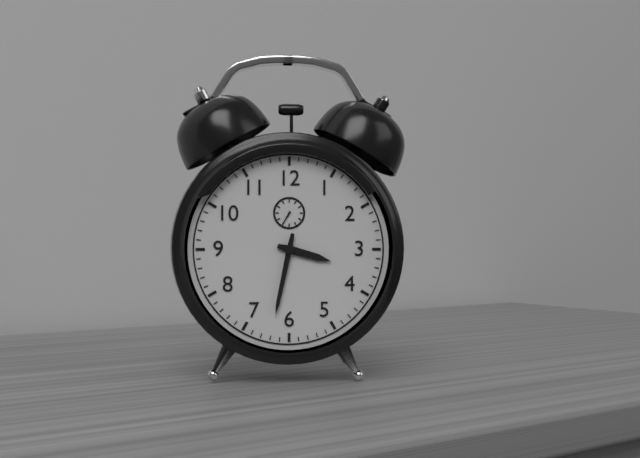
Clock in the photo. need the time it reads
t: 3:32
